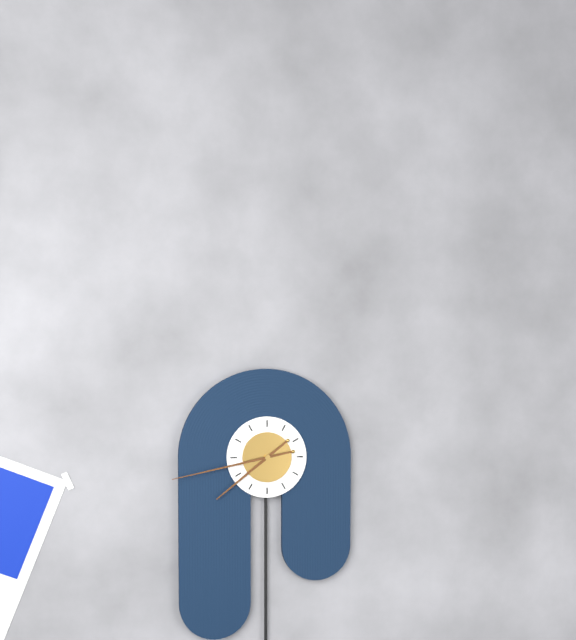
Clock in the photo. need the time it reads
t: 7:43
